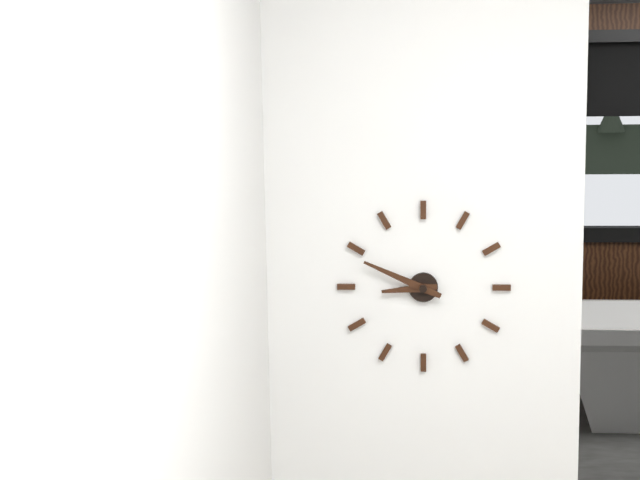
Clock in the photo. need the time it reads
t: 8:49
